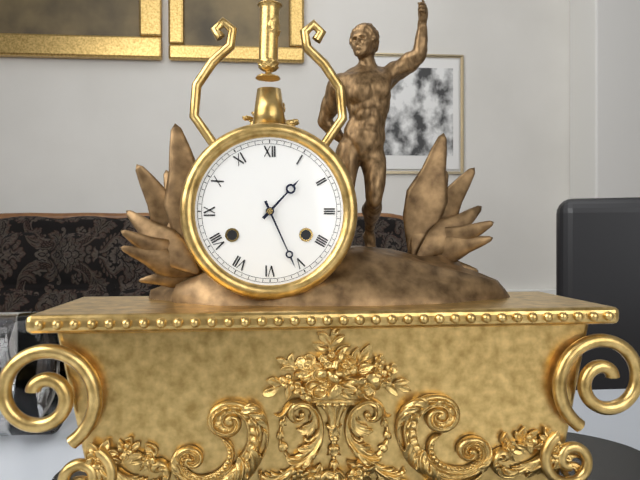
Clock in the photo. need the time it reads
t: 1:26
